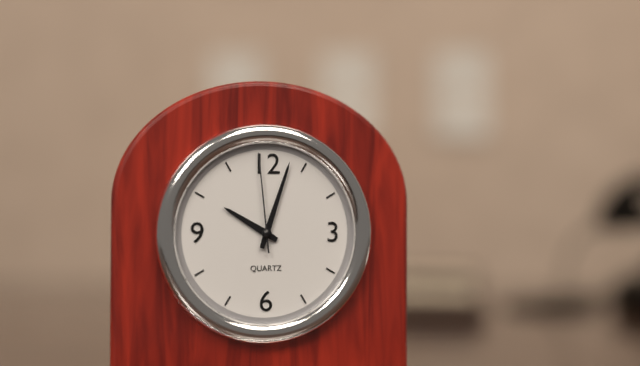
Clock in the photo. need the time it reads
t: 10:03:59
